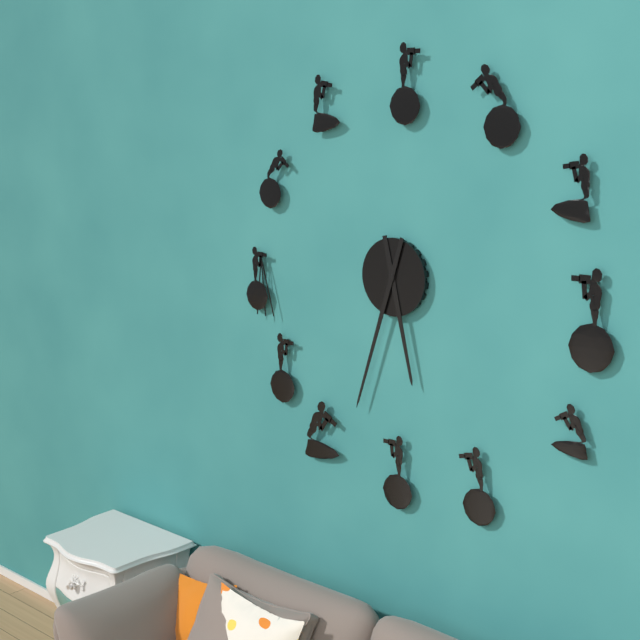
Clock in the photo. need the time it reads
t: 5:33
